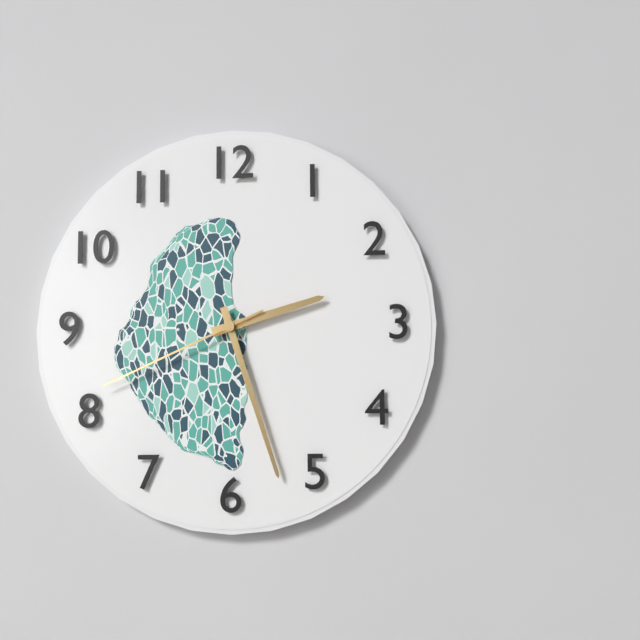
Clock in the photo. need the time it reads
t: 2:27:41
